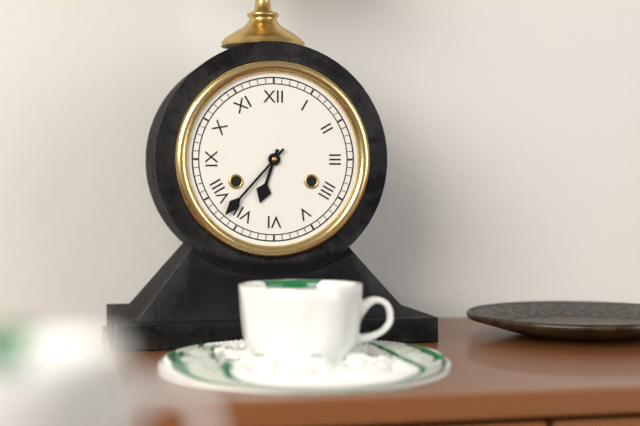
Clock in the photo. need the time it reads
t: 6:37
